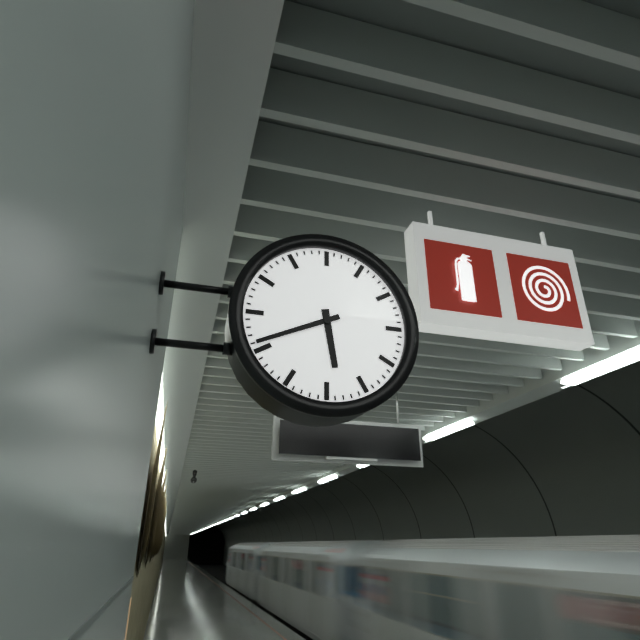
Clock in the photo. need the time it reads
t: 5:41
